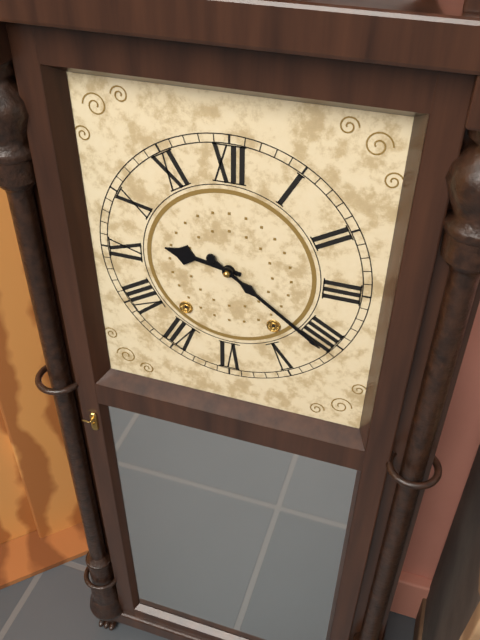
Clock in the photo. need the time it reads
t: 9:21
